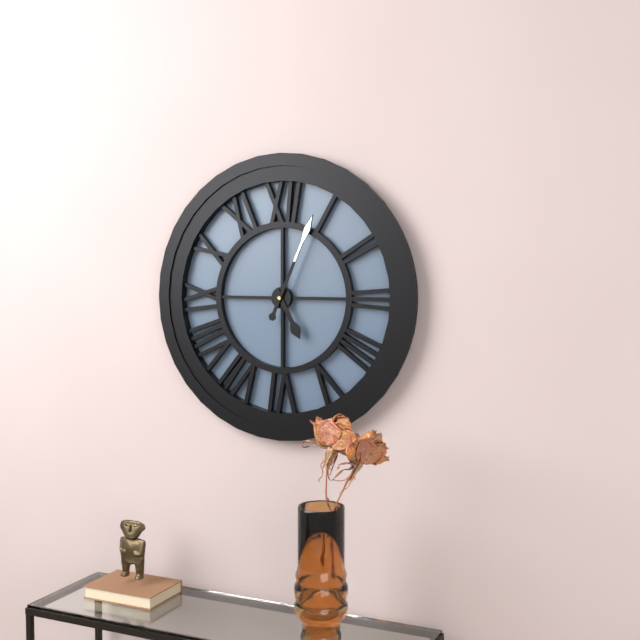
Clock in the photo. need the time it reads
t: 5:04
